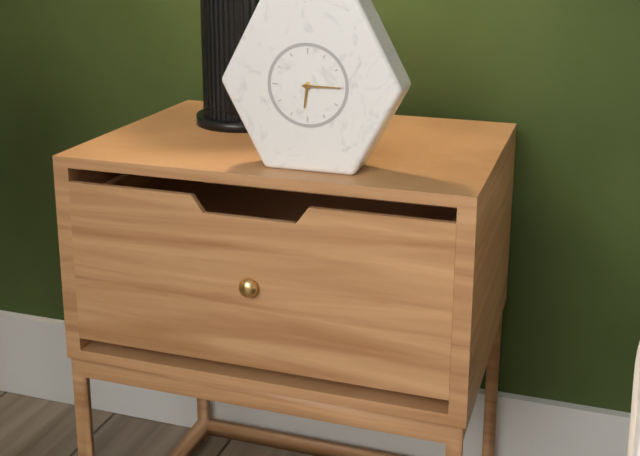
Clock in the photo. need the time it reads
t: 6:15
